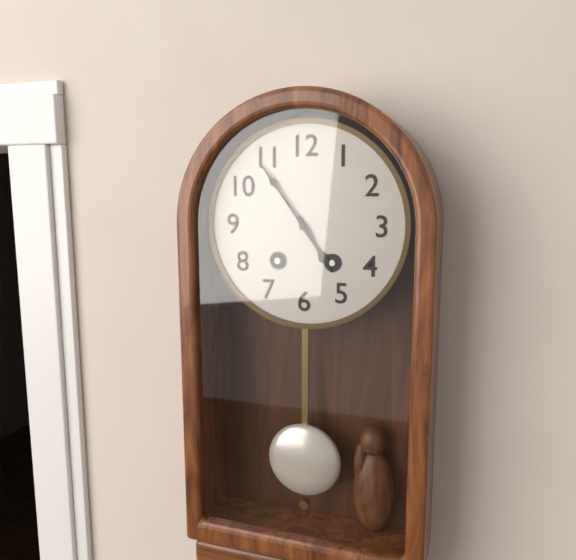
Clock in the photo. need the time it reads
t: 4:54
